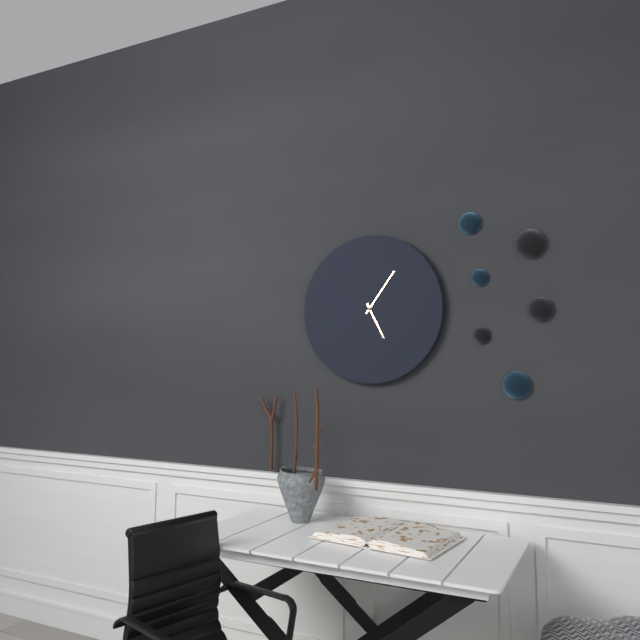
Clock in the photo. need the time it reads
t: 5:06
